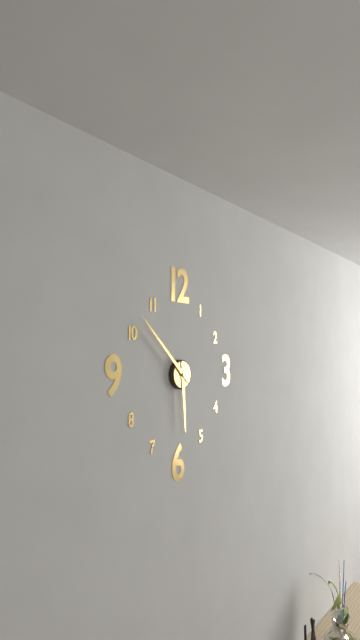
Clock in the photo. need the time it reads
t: 5:52
